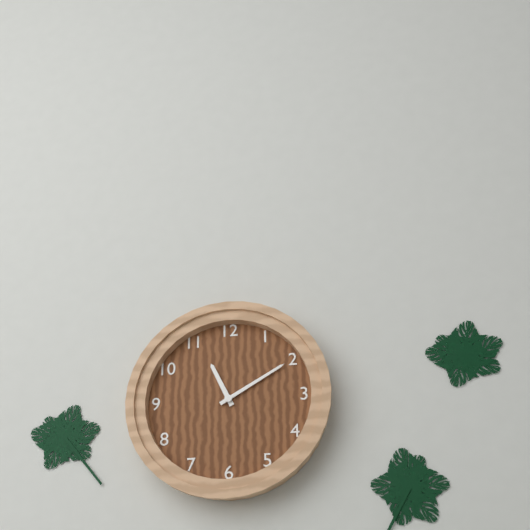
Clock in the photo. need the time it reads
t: 11:10
